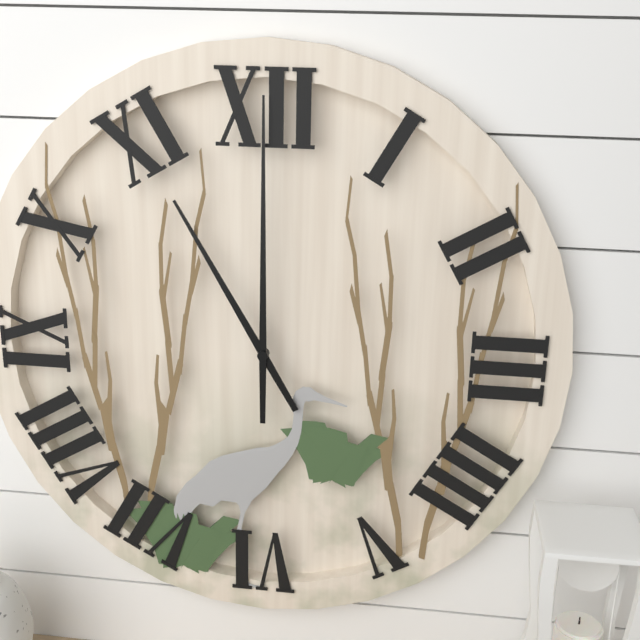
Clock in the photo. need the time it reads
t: 11:00
